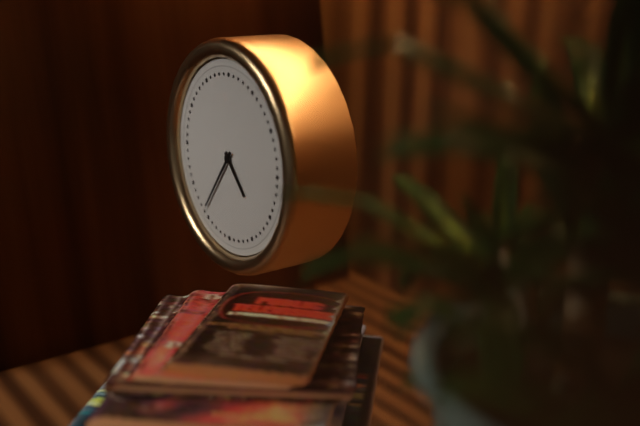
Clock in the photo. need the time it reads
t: 4:36
